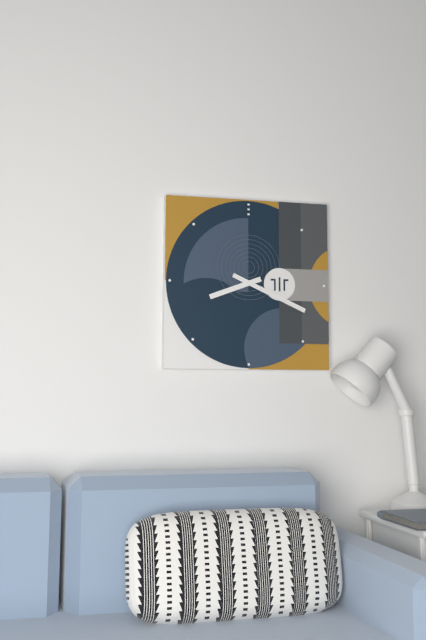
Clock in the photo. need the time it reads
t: 8:19
